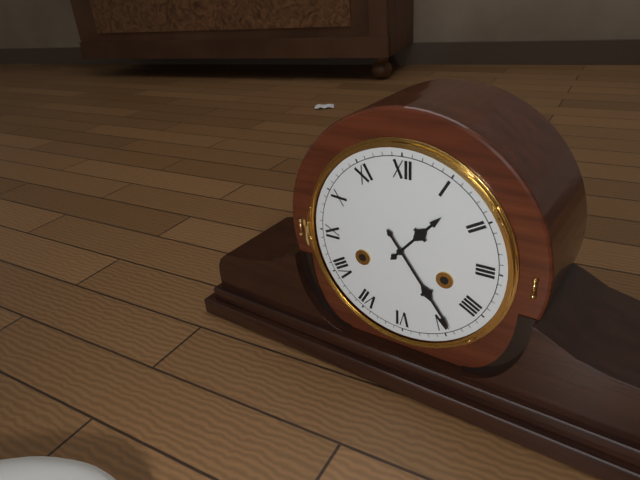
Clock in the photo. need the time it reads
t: 1:24
